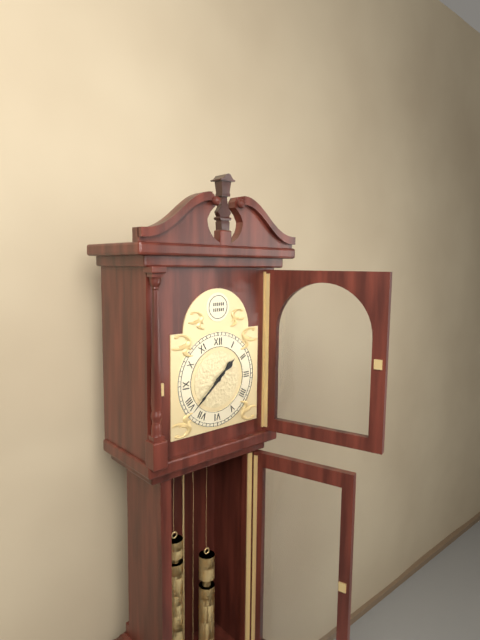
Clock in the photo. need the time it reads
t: 1:38
